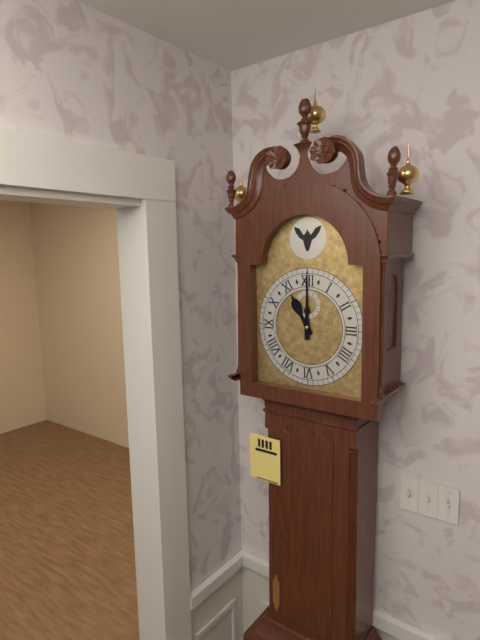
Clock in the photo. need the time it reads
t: 11:00
